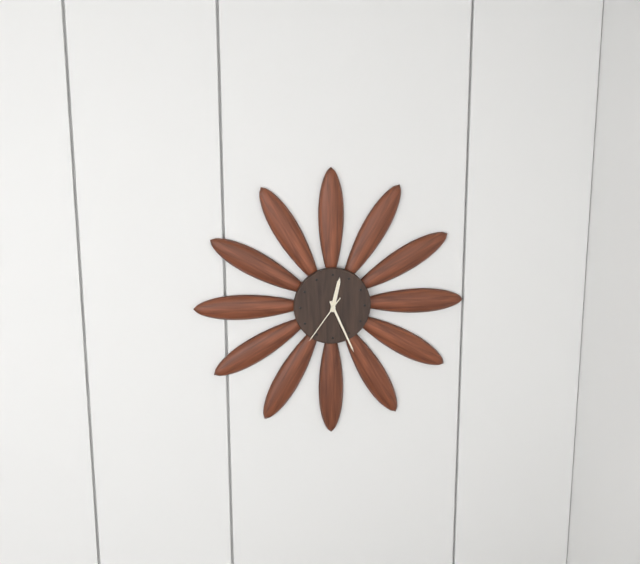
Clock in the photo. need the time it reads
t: 12:26:36
